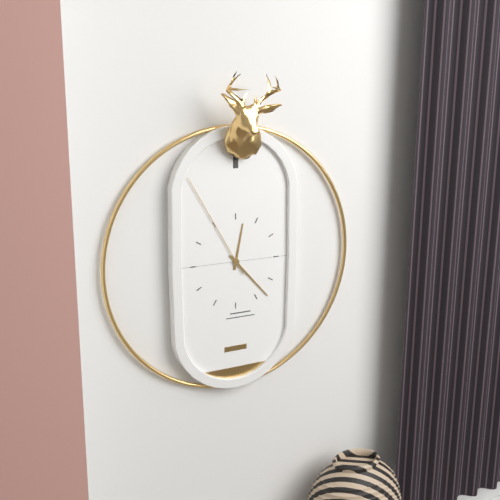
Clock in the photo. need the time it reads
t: 12:23:55
